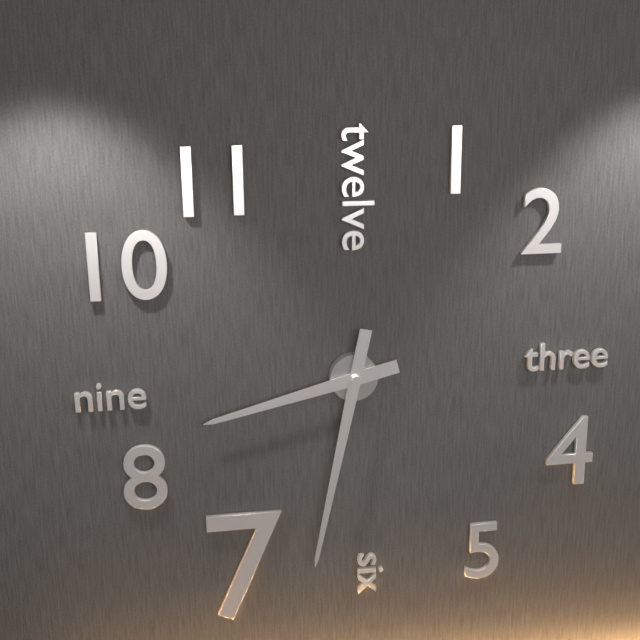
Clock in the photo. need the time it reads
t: 8:32
